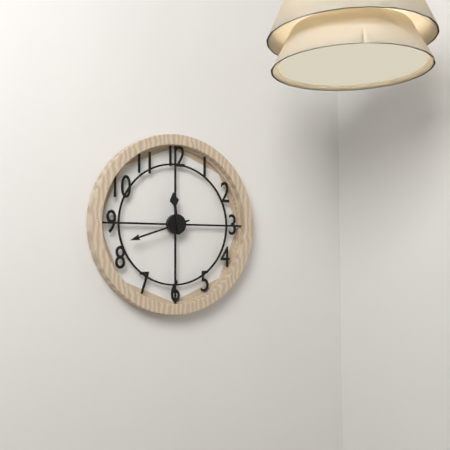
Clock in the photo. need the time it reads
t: 11:42
